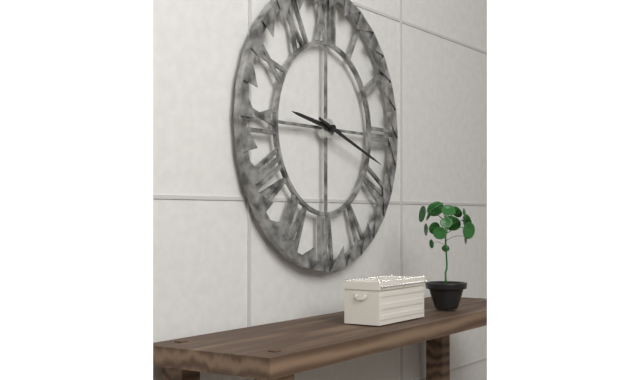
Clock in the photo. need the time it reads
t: 9:18
